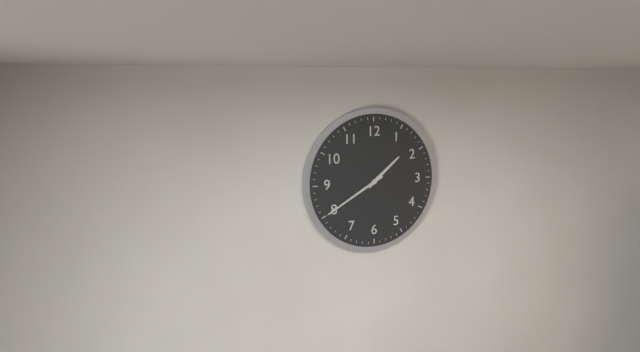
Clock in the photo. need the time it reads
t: 1:40
